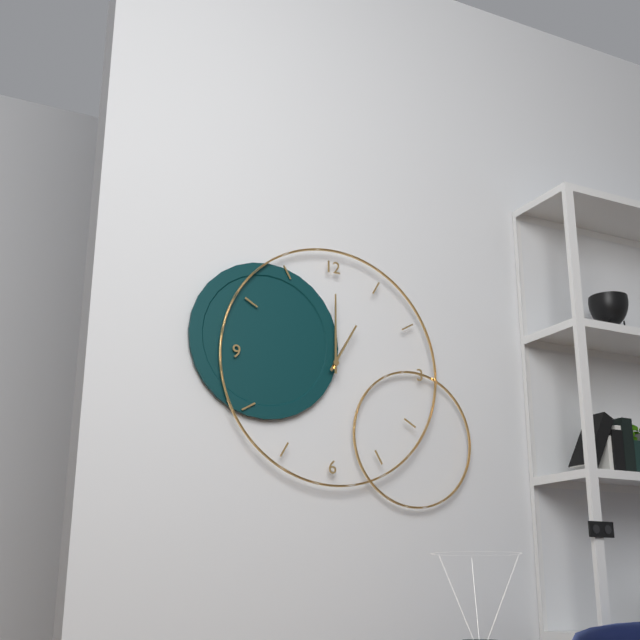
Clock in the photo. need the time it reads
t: 1:00
